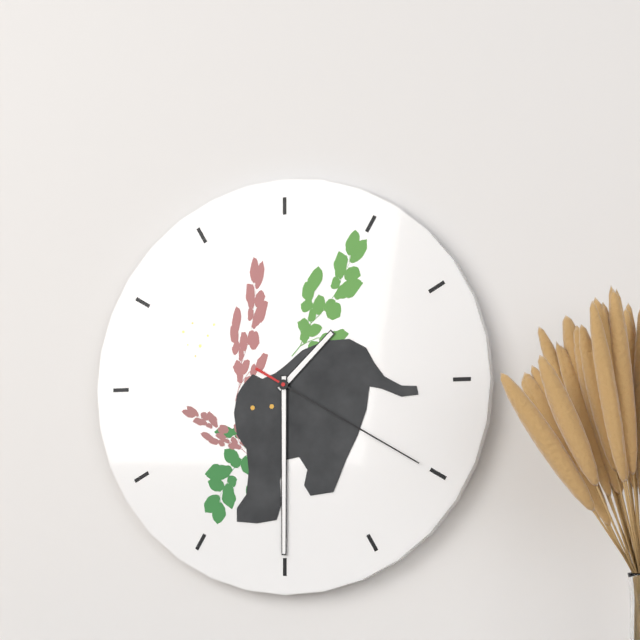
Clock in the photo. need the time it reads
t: 1:30:20
